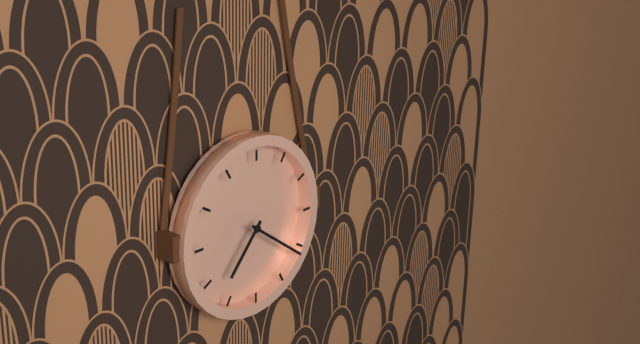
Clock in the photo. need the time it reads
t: 7:21
